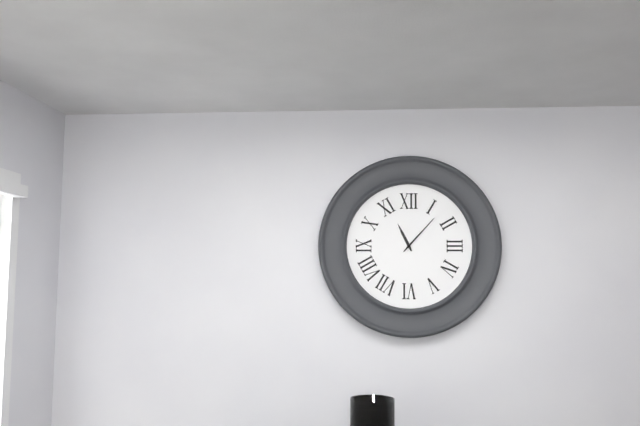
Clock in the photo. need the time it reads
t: 11:07
